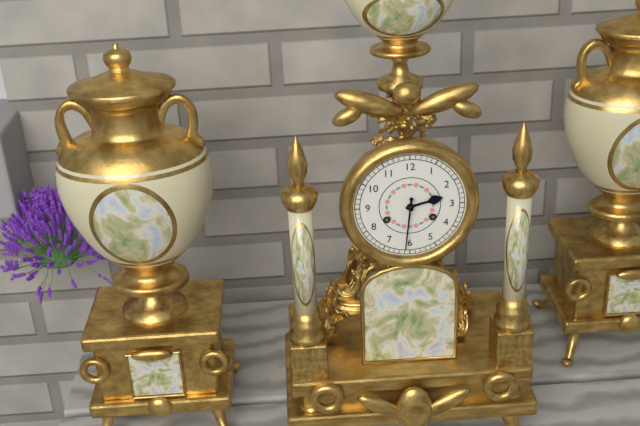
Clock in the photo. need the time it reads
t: 2:31
